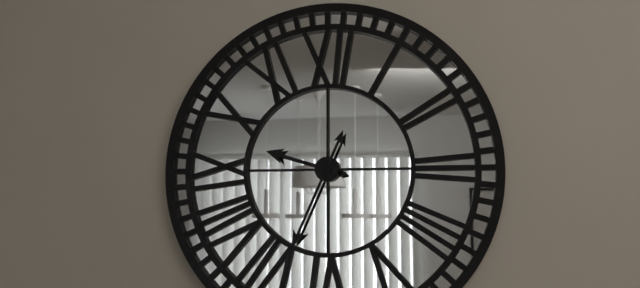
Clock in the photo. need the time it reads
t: 9:34
